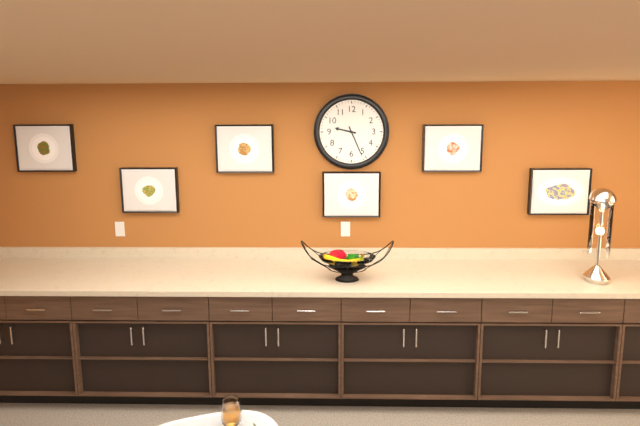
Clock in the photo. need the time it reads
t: 9:26
